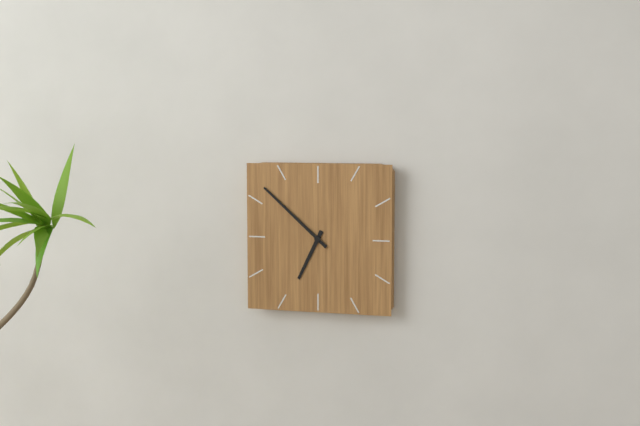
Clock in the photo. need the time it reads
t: 6:52
